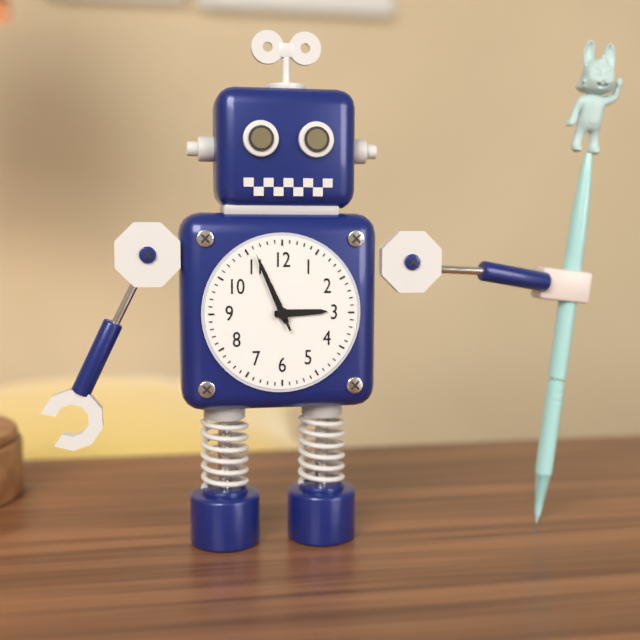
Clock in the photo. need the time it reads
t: 2:56:56
